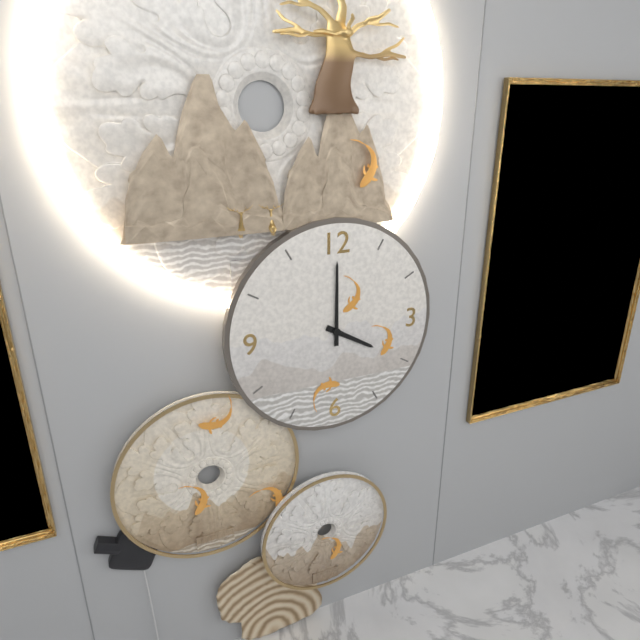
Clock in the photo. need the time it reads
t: 4:00
